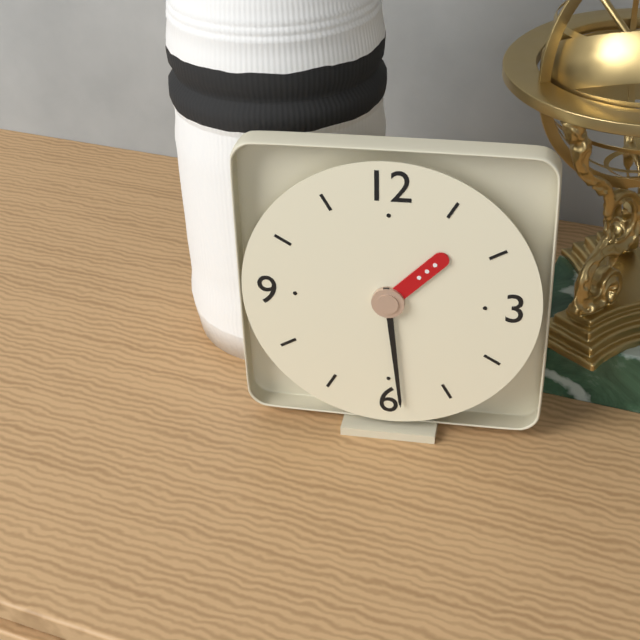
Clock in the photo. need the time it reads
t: 1:29
